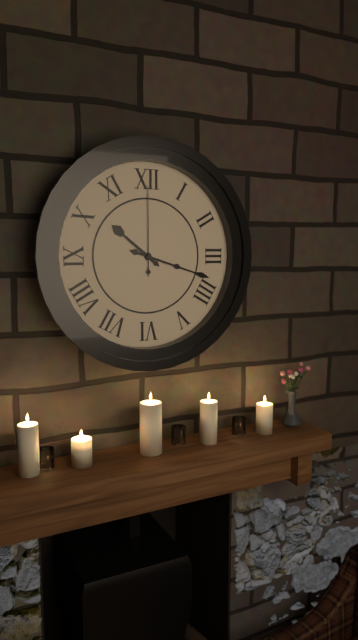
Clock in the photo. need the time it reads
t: 10:18:00
